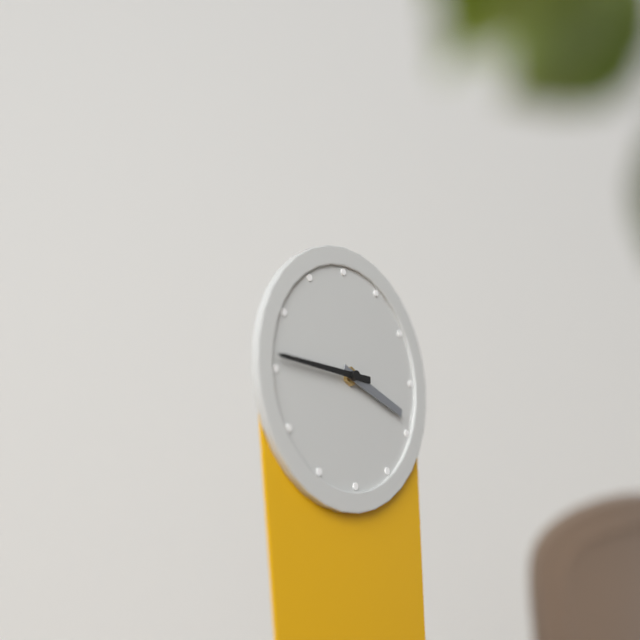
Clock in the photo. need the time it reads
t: 3:46
